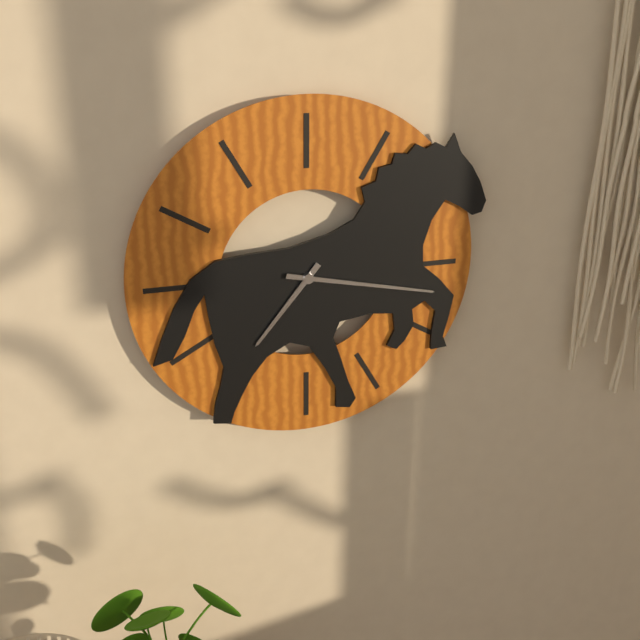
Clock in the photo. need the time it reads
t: 7:17
